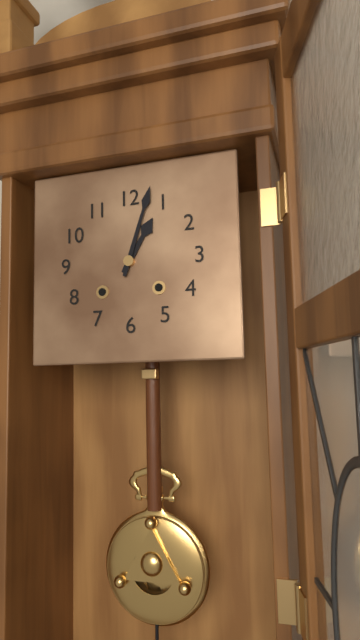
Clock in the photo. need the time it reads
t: 1:03
